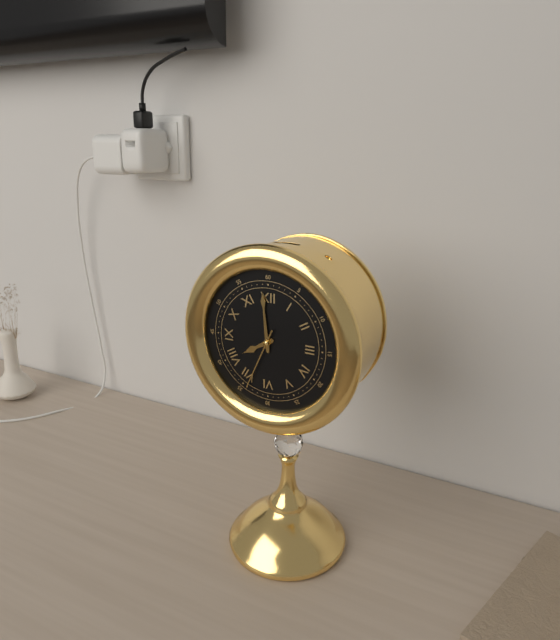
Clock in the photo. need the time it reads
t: 7:59:34
